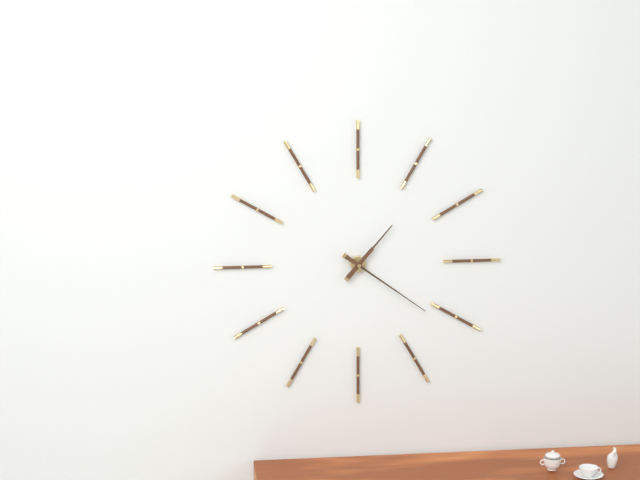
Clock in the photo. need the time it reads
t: 1:21
